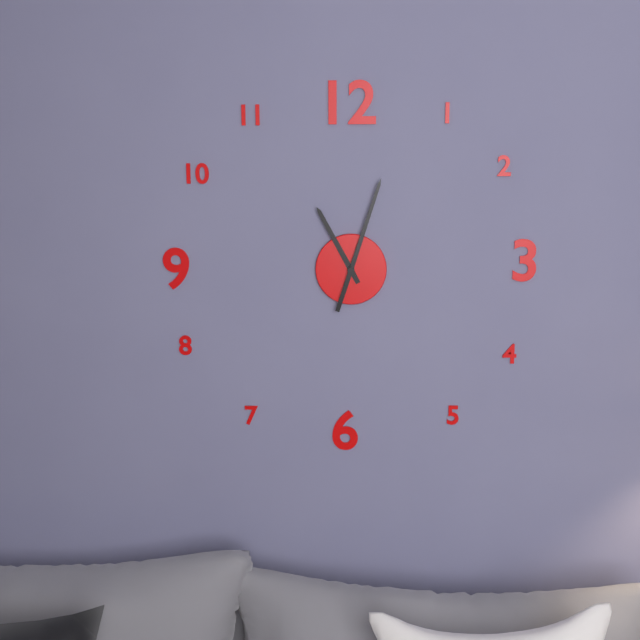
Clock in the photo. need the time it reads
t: 11:03
